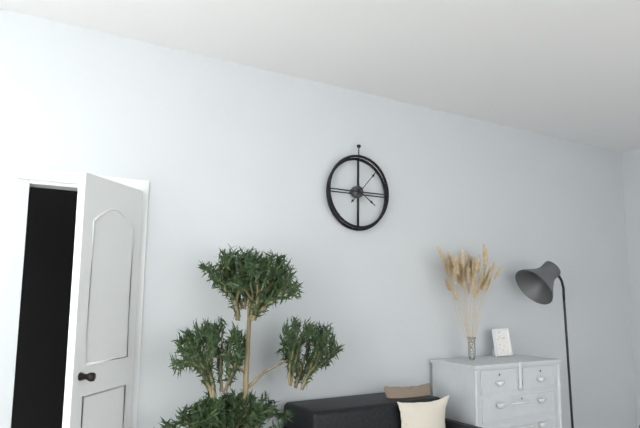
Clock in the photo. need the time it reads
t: 4:07
